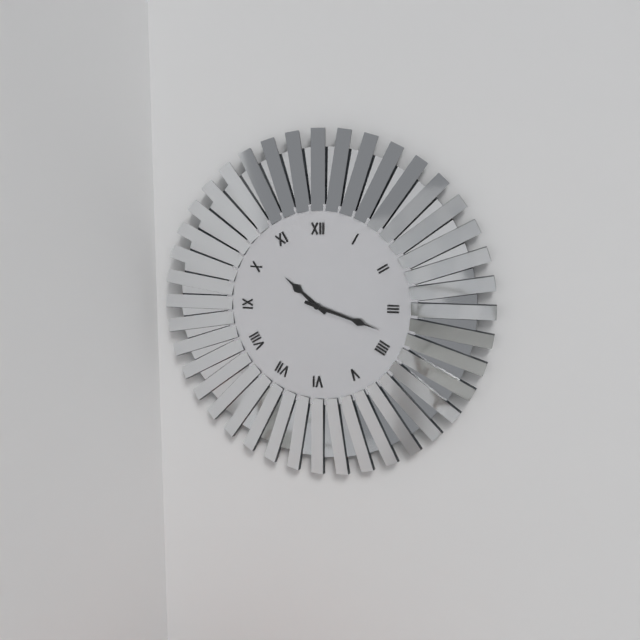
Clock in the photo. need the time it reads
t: 10:18
